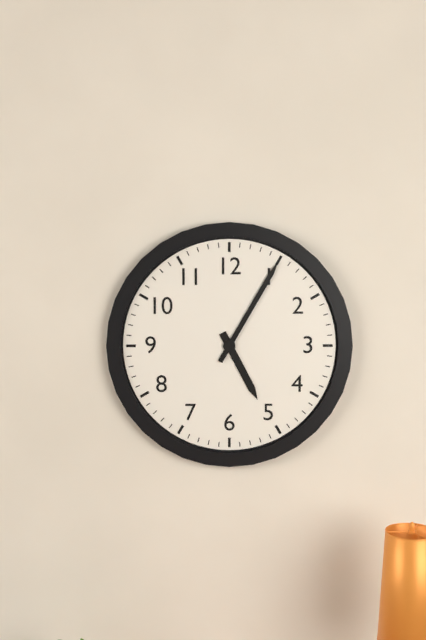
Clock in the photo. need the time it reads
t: 5:05
